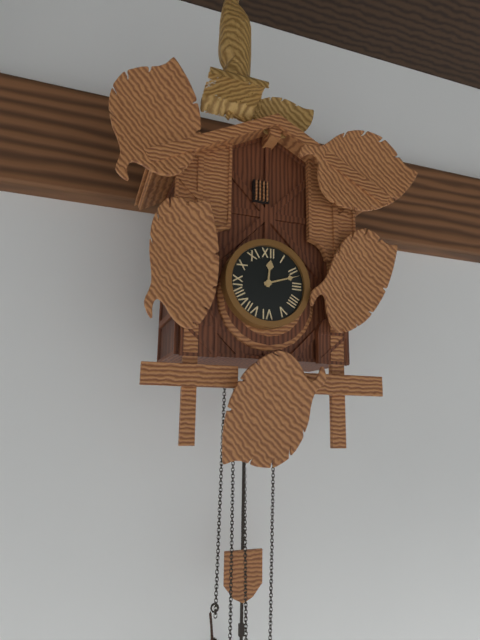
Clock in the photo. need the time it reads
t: 12:12
